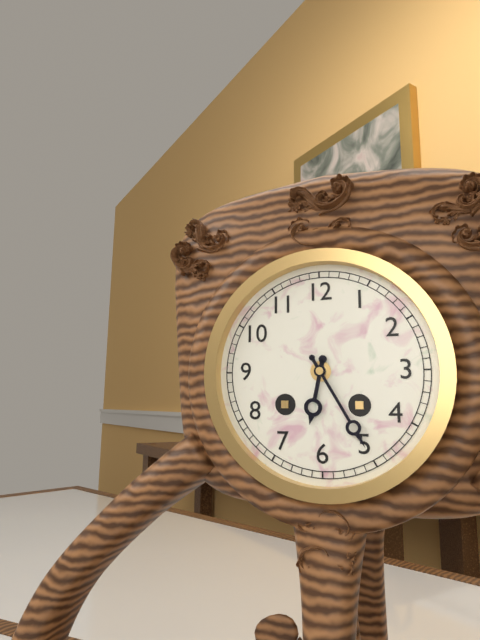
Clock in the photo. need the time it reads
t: 6:25
